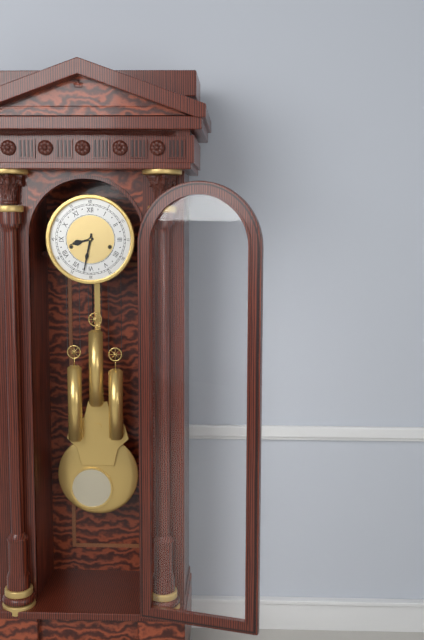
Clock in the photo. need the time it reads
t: 8:32
